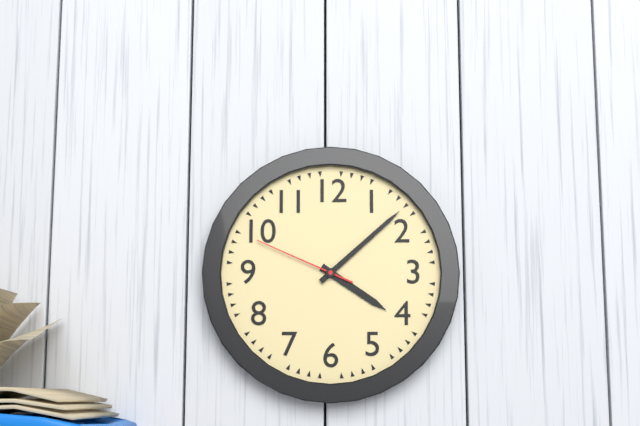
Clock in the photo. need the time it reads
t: 4:08:49
